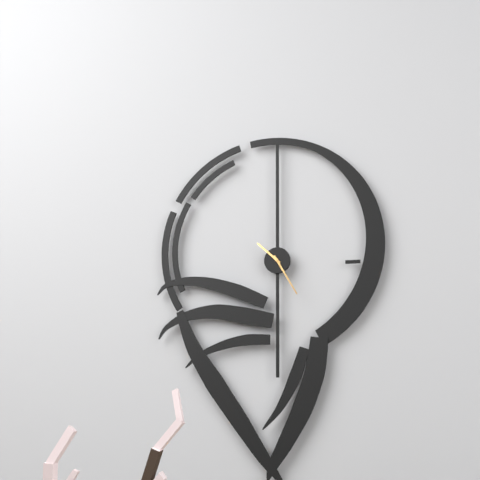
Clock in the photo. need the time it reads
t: 10:25
